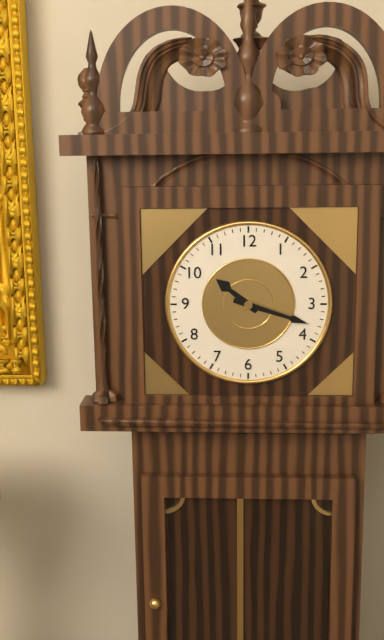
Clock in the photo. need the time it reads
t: 10:18
